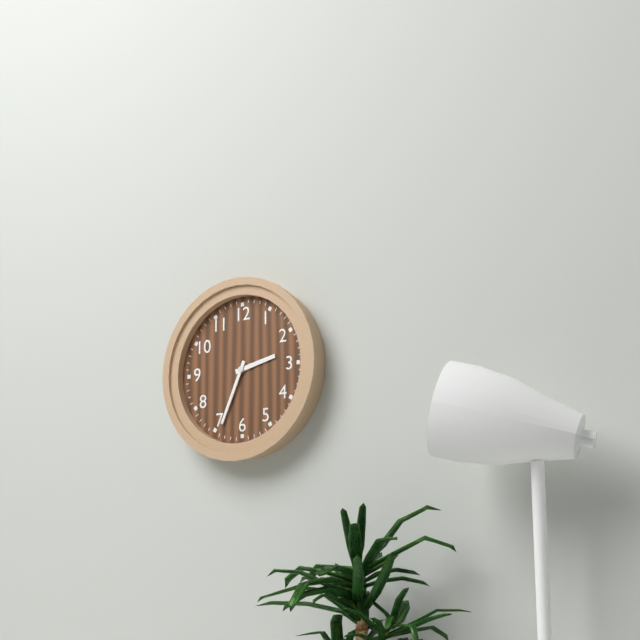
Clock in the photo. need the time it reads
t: 2:34
